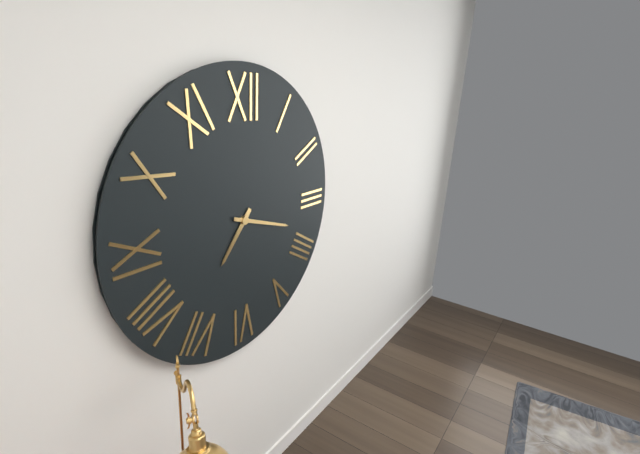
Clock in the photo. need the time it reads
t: 7:18
